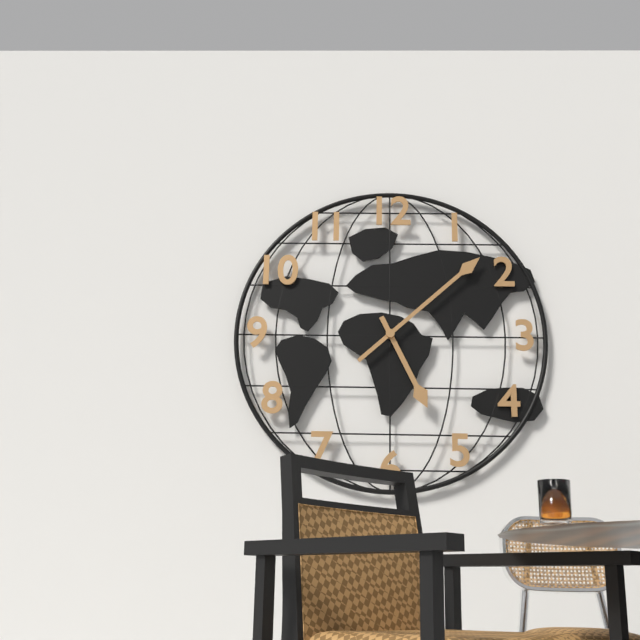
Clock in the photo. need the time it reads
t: 5:08
